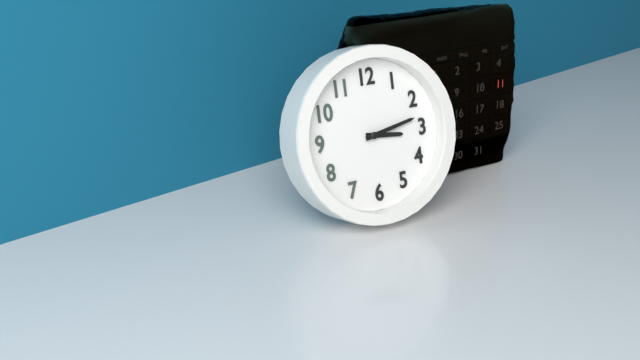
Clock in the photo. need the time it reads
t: 3:13
